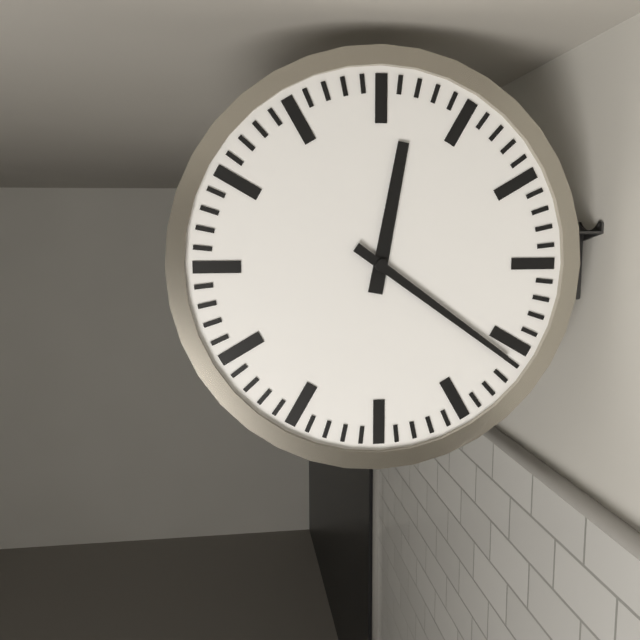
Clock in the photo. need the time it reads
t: 12:21
